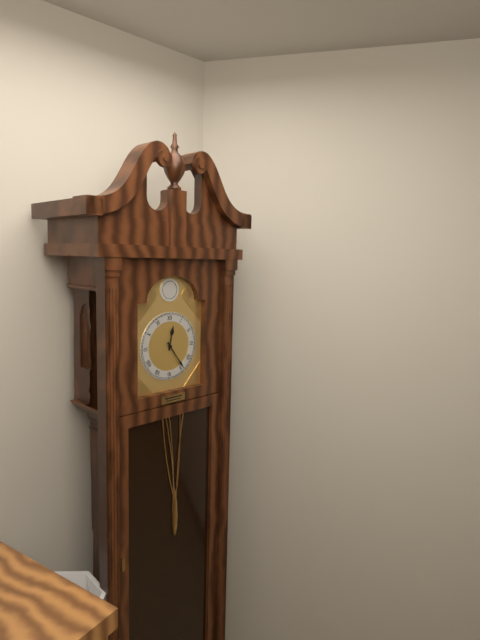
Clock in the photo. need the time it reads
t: 12:24
